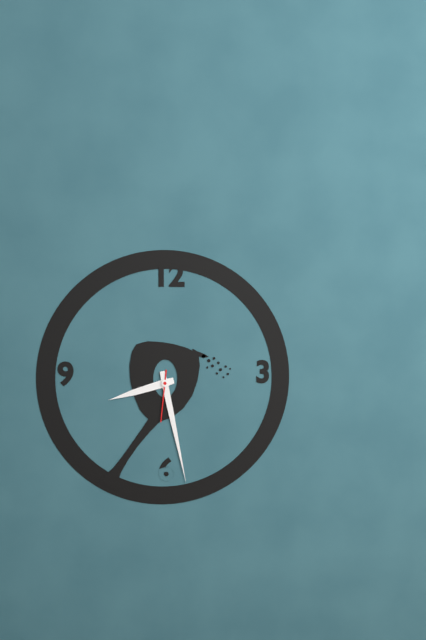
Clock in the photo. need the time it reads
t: 8:28
